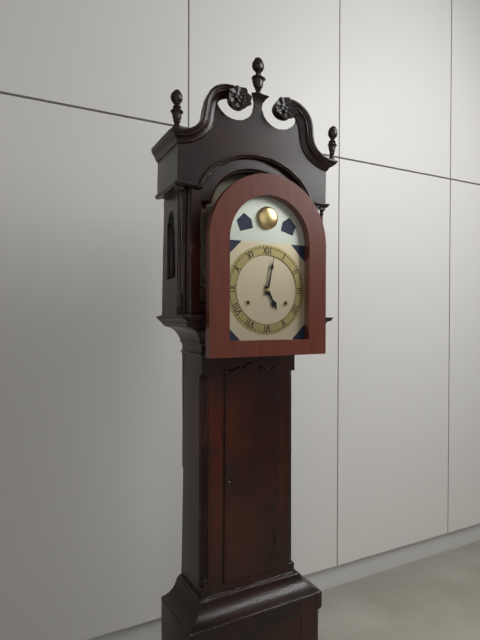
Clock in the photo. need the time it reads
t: 5:02
